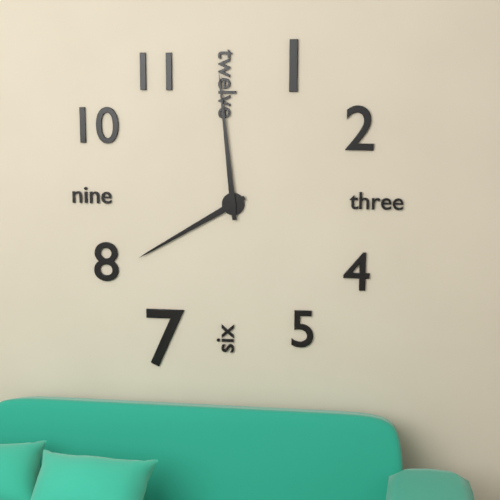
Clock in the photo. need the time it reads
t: 7:59
